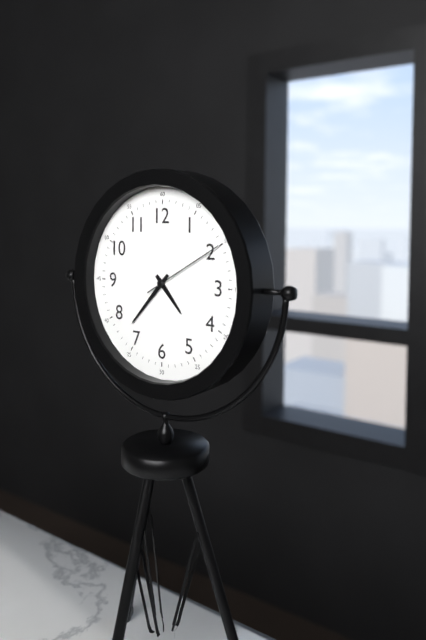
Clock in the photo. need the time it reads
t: 4:37:10
